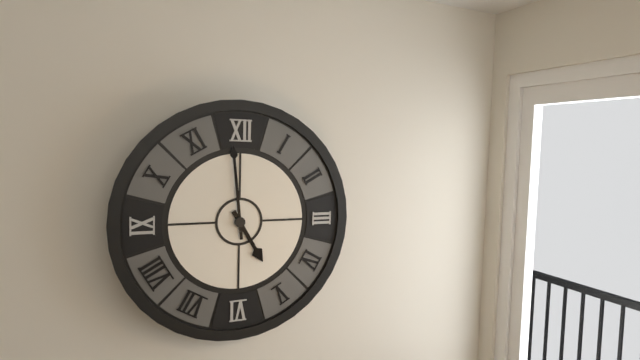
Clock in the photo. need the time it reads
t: 4:59
